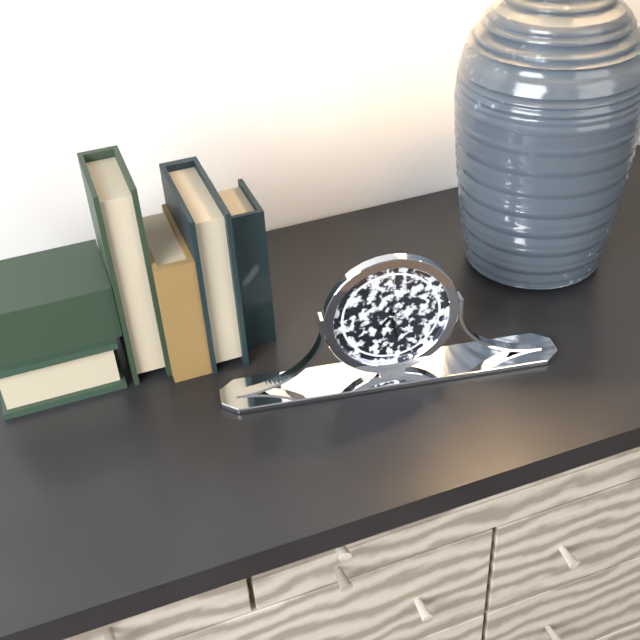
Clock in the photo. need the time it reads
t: 7:28
